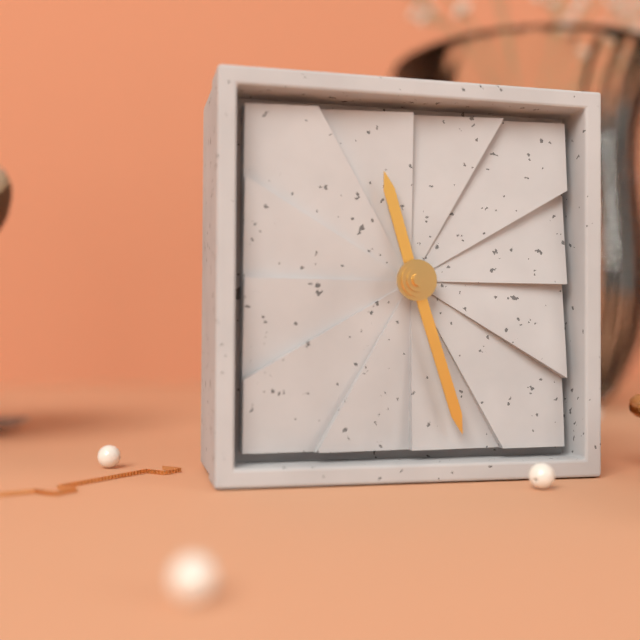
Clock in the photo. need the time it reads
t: 11:27
